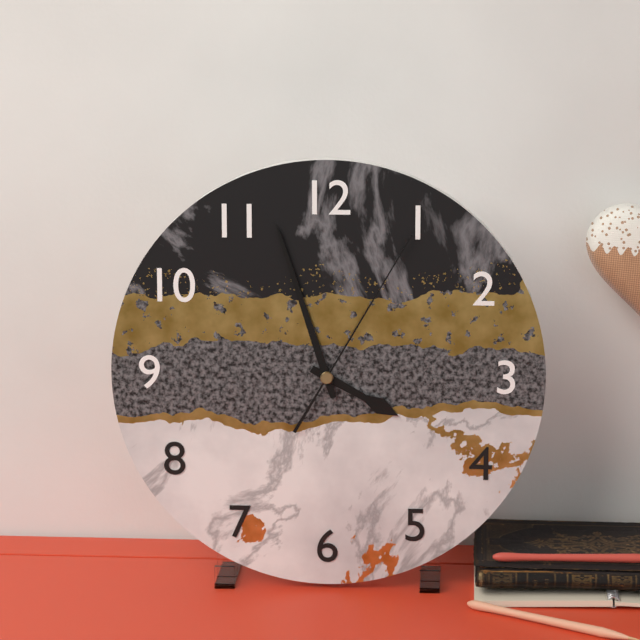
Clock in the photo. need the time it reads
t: 3:57:05
